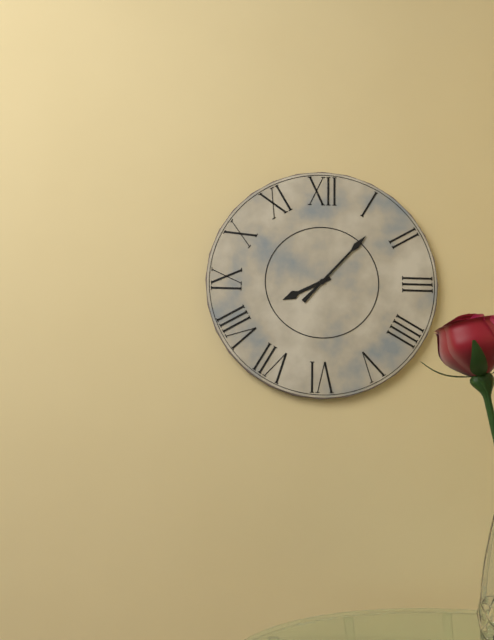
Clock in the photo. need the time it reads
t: 8:07
